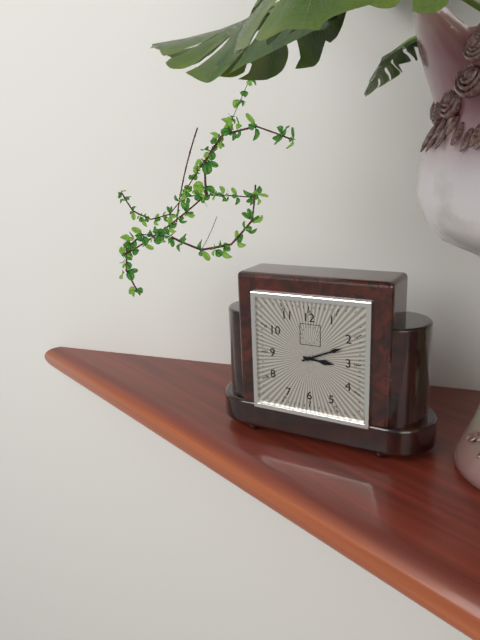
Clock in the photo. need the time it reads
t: 3:11
